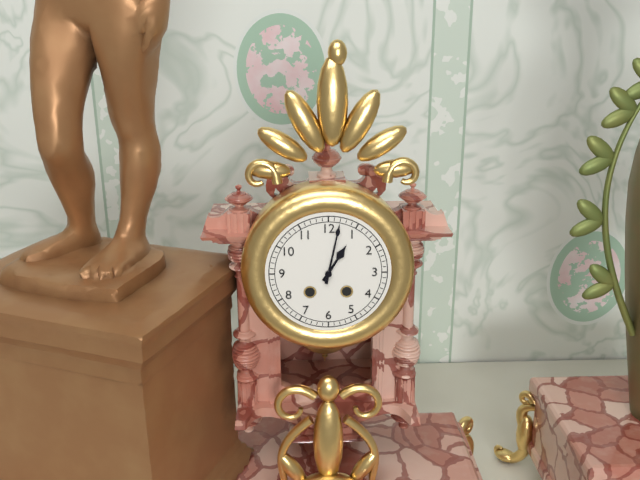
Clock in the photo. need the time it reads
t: 1:02
